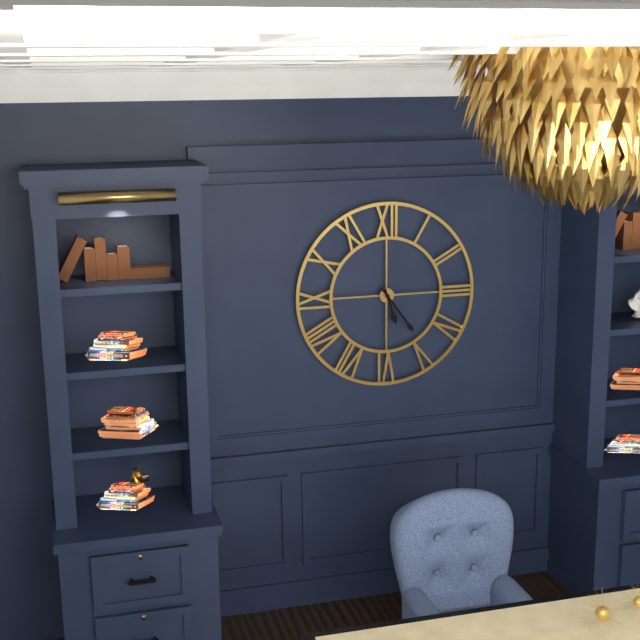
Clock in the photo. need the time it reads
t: 5:24
